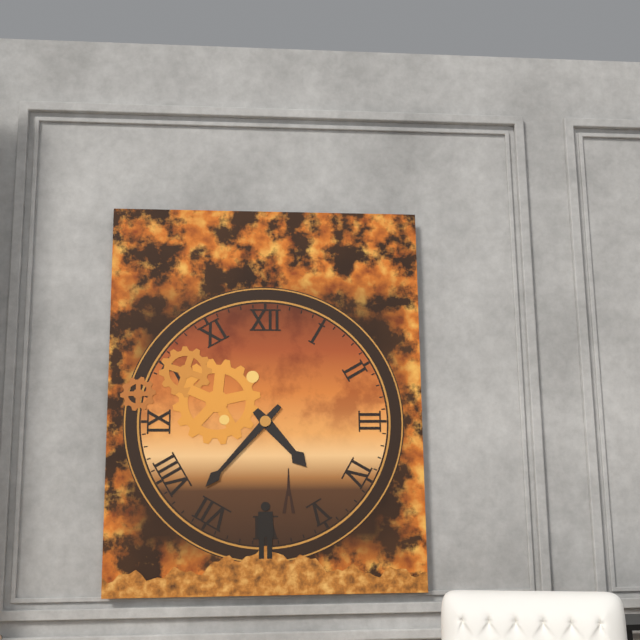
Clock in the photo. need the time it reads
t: 4:37
